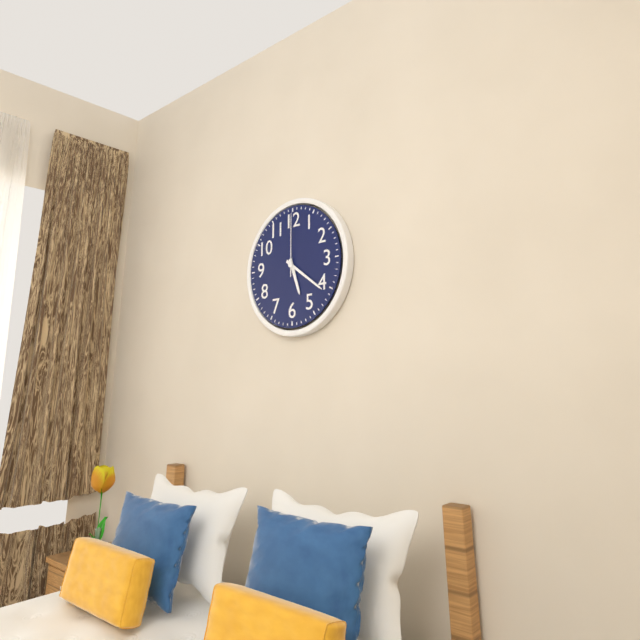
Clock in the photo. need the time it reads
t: 5:21:00
